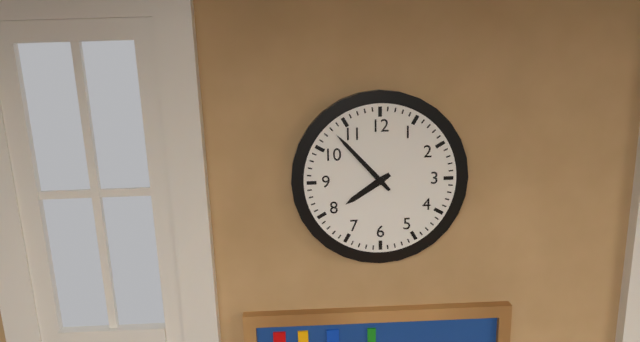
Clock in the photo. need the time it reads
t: 7:53
